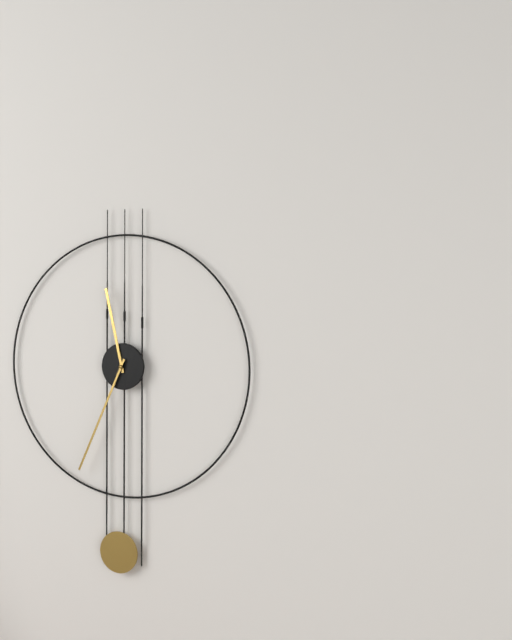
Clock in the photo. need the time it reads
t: 11:34
